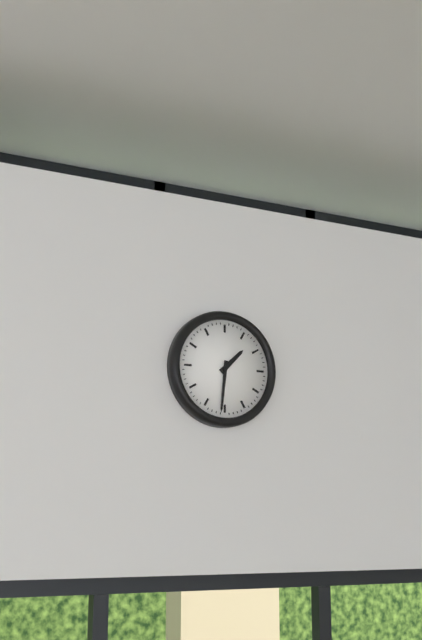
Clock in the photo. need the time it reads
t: 1:31
